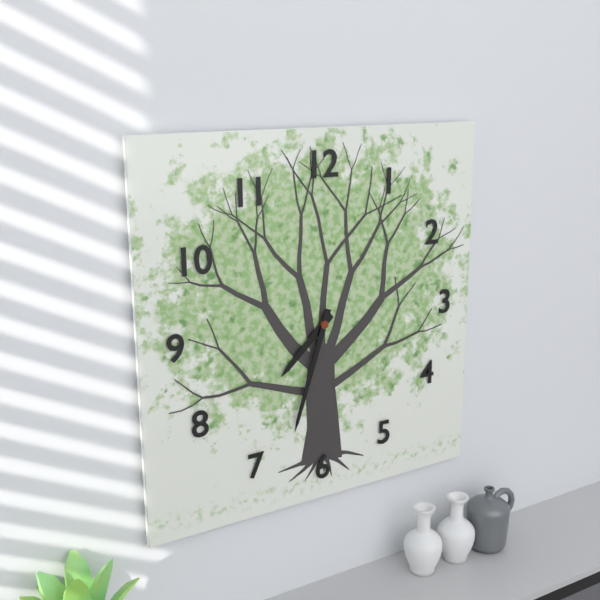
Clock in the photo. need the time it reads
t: 7:33
